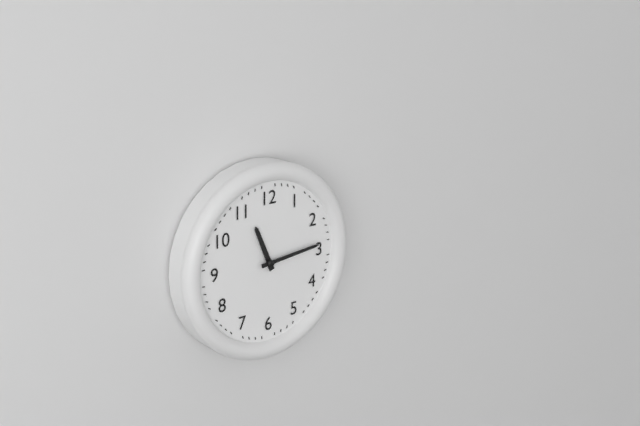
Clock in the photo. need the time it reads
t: 11:14
